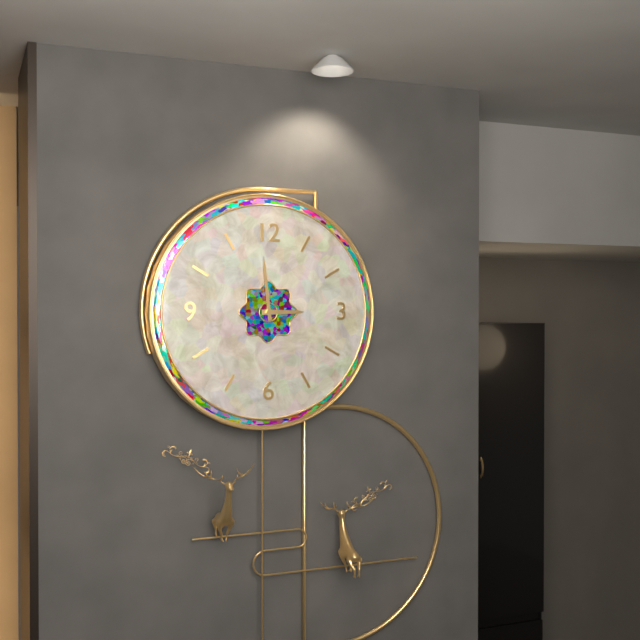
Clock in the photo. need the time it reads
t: 2:59
